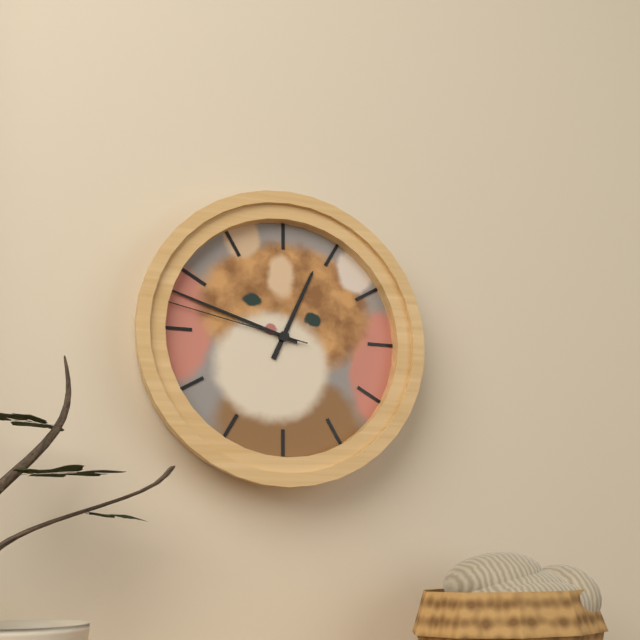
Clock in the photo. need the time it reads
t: 12:48:47
